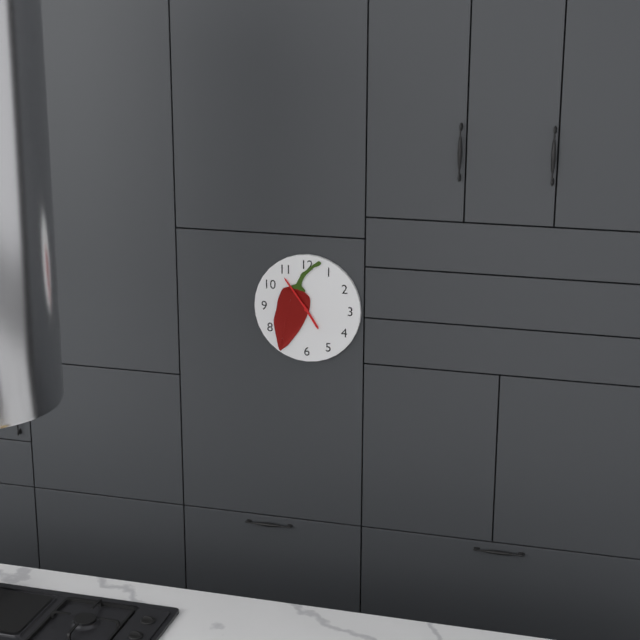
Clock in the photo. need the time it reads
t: 4:54
